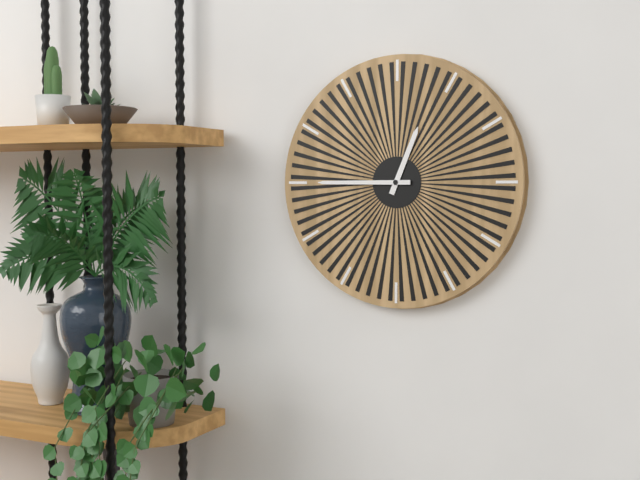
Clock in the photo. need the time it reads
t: 12:45
